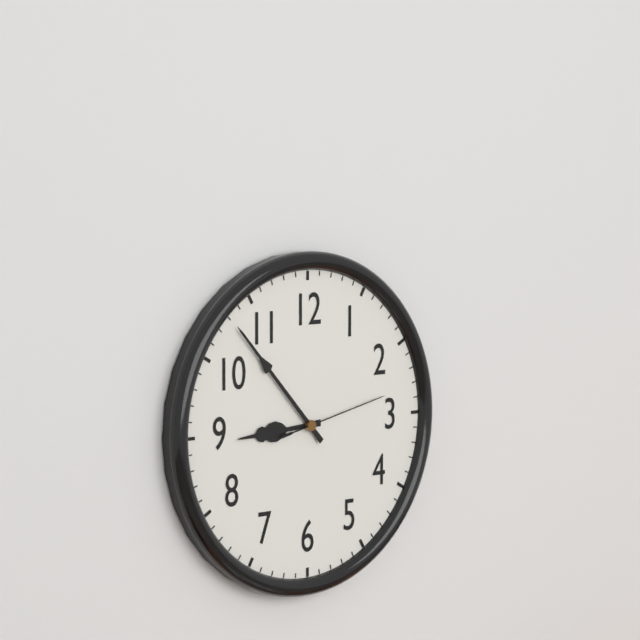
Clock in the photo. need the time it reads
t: 8:53:13
